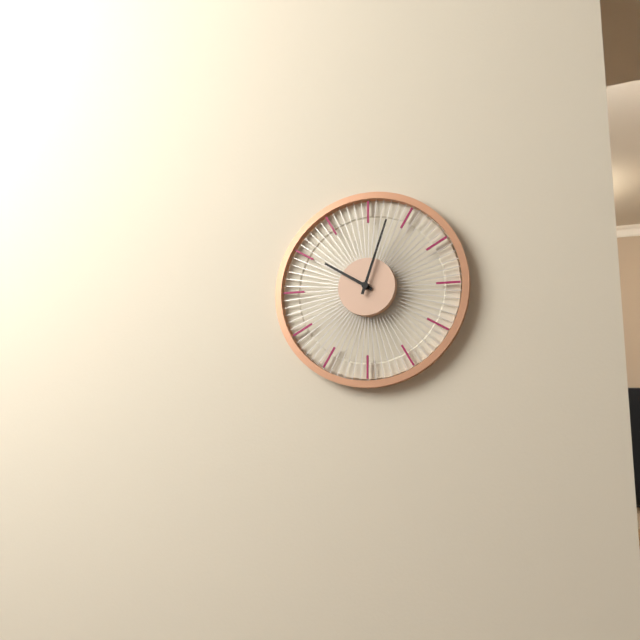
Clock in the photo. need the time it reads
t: 10:03
